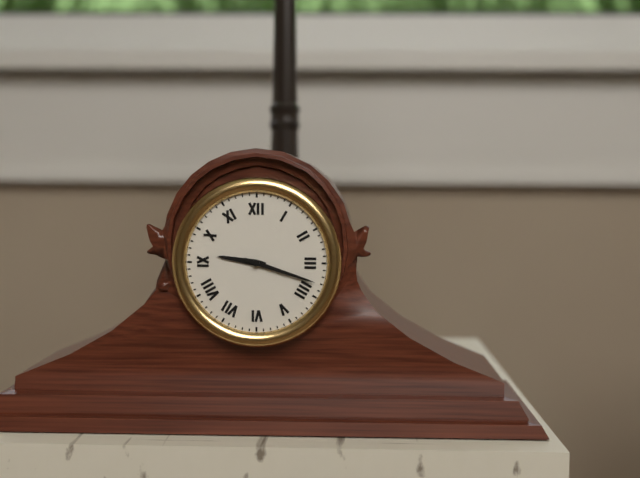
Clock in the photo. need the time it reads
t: 9:18
